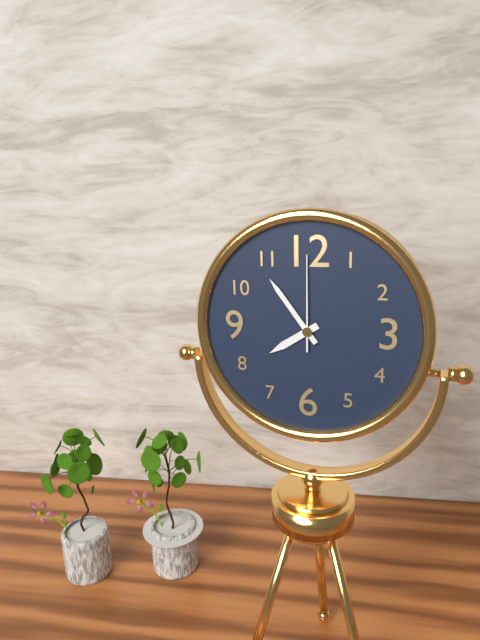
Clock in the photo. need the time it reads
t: 7:54:00
